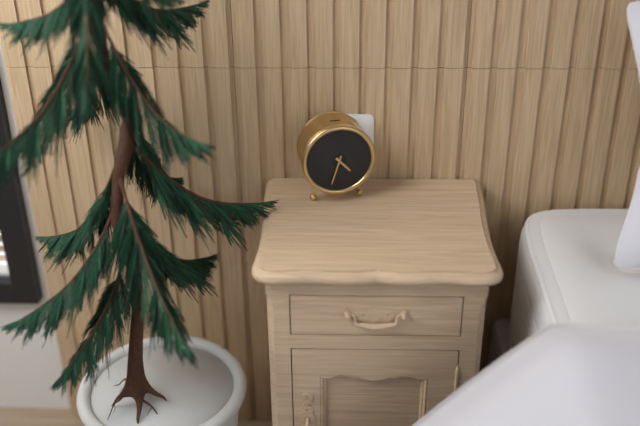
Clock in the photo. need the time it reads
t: 4:33
